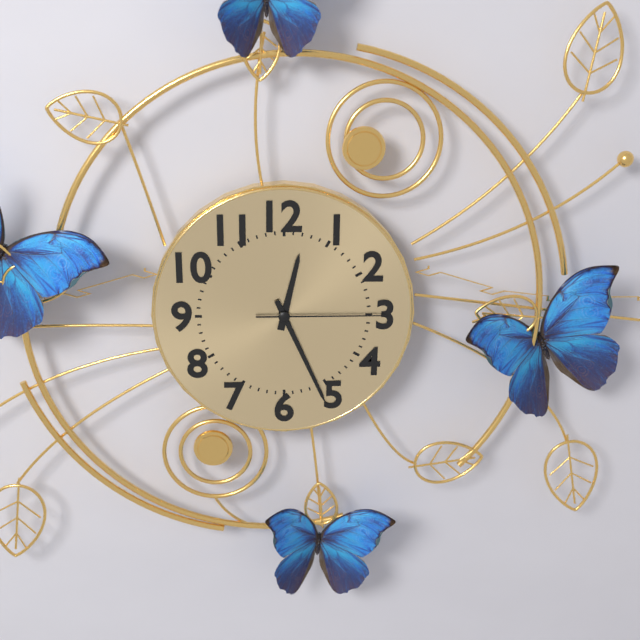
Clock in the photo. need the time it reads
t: 12:26:15
